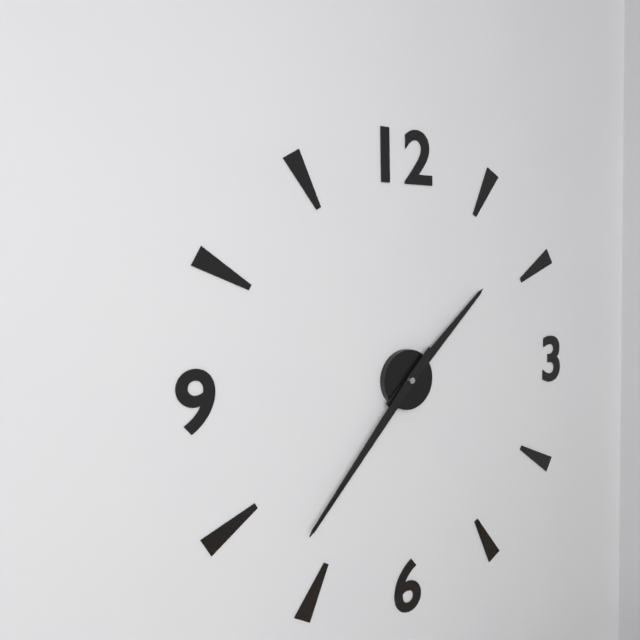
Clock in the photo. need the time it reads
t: 1:37
